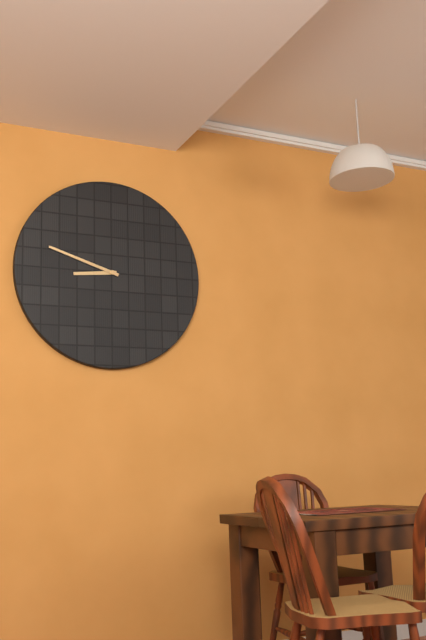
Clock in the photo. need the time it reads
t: 8:48
